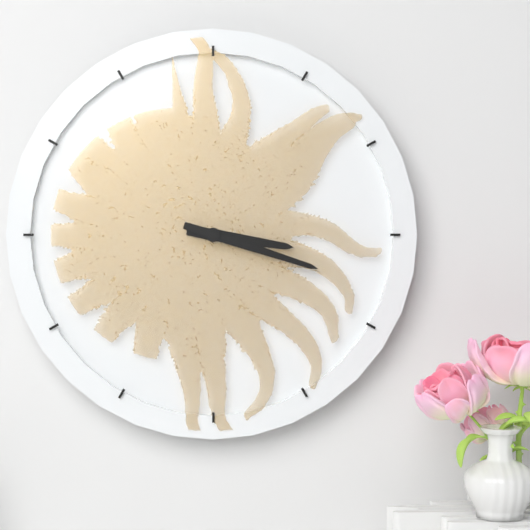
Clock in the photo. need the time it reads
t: 3:18
